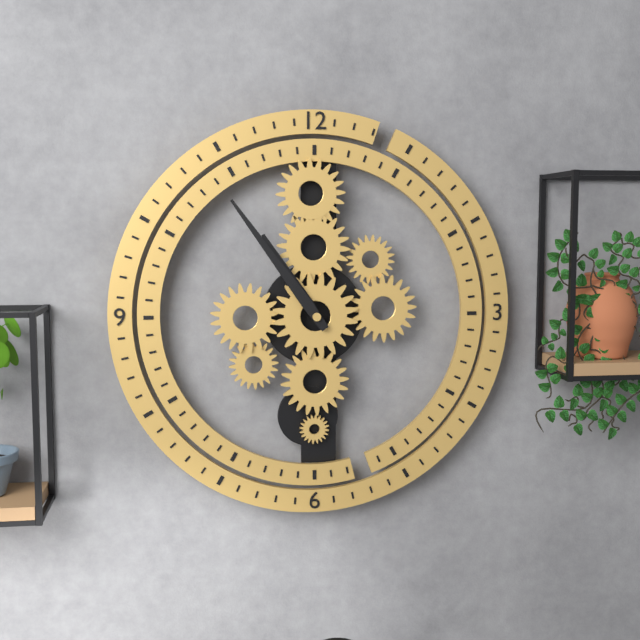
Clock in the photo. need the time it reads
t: 10:54
